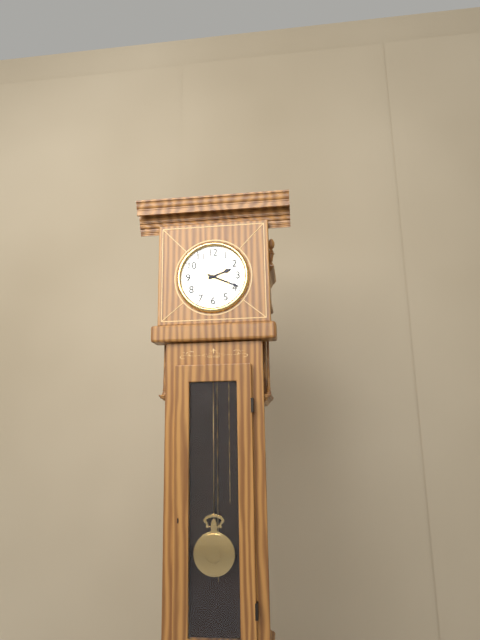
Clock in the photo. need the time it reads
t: 2:19
